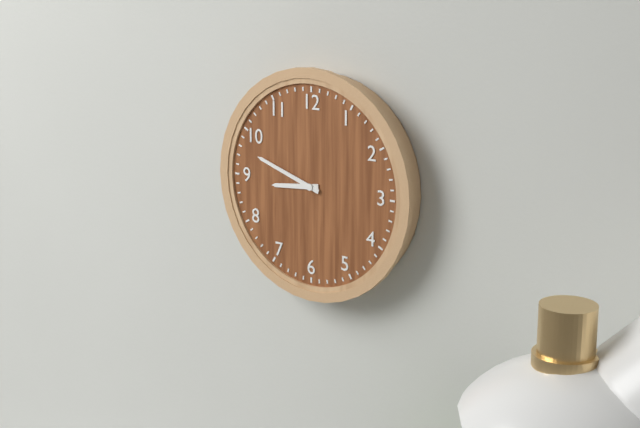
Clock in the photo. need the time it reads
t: 8:48
